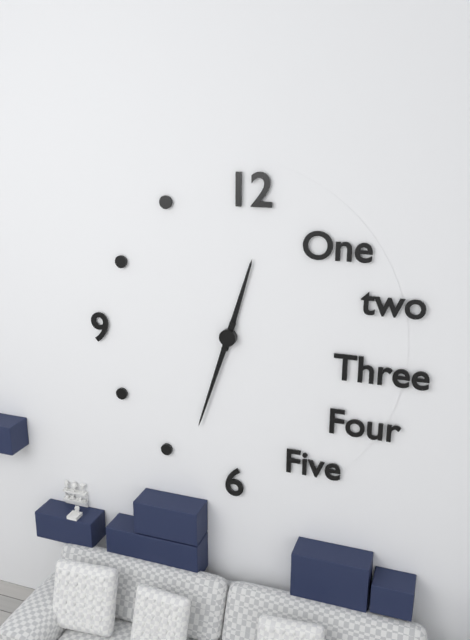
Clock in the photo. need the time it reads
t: 12:33
